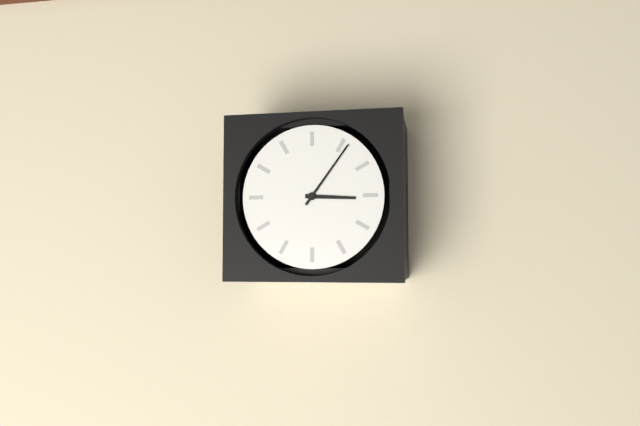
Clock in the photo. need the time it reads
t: 3:06
